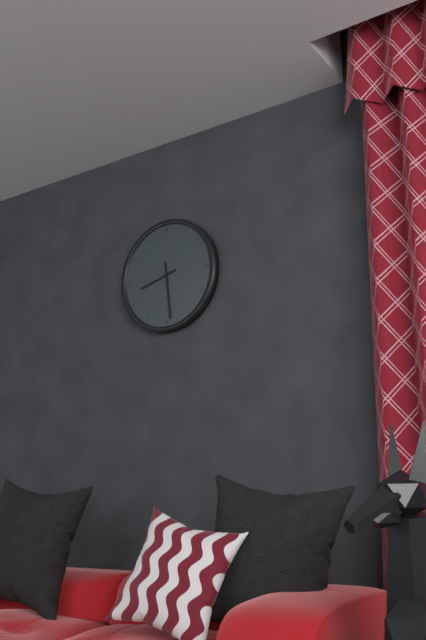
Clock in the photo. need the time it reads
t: 8:29
